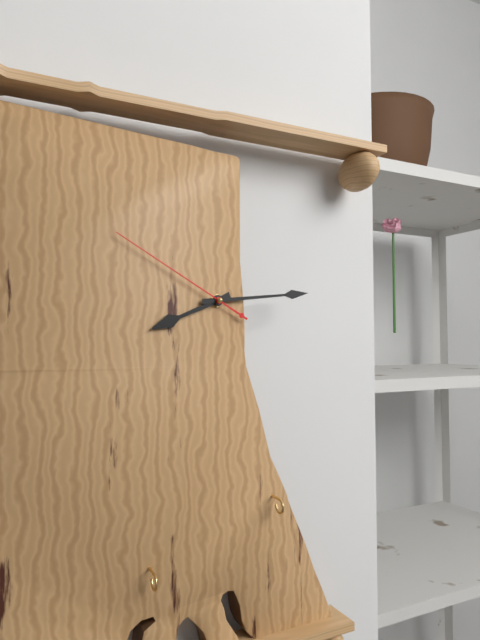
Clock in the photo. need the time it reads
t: 8:14:50
